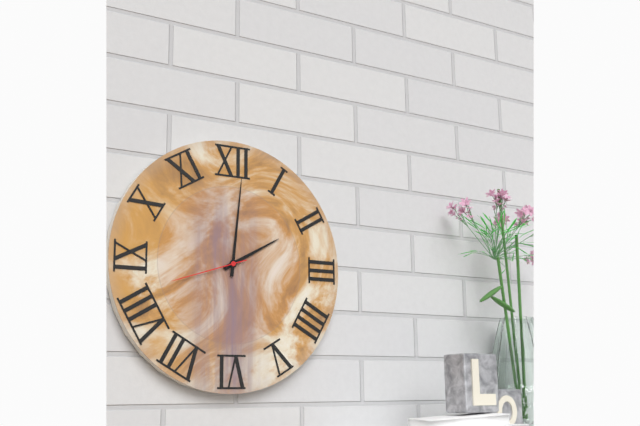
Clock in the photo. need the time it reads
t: 2:01:42
